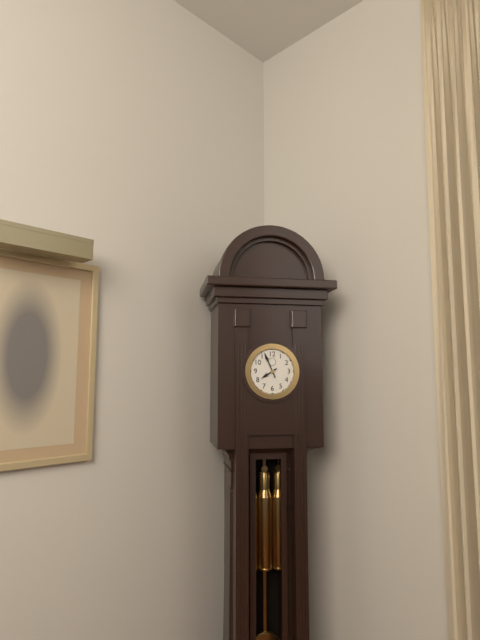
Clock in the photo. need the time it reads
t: 7:56
